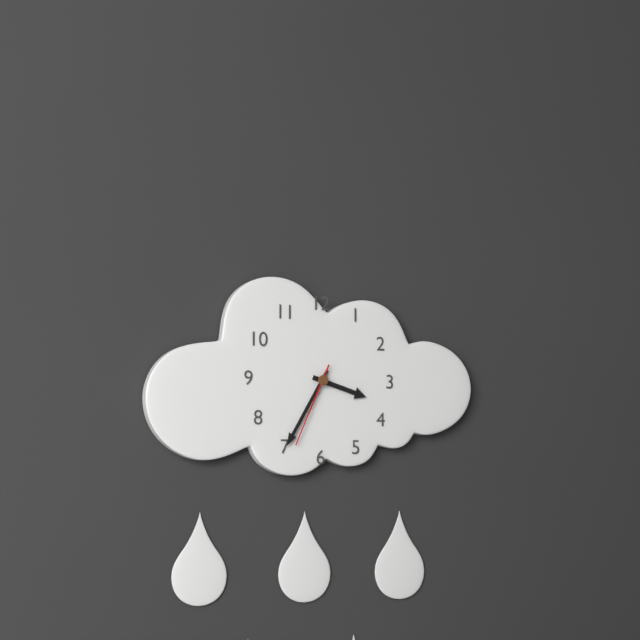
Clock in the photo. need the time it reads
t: 3:35:34
